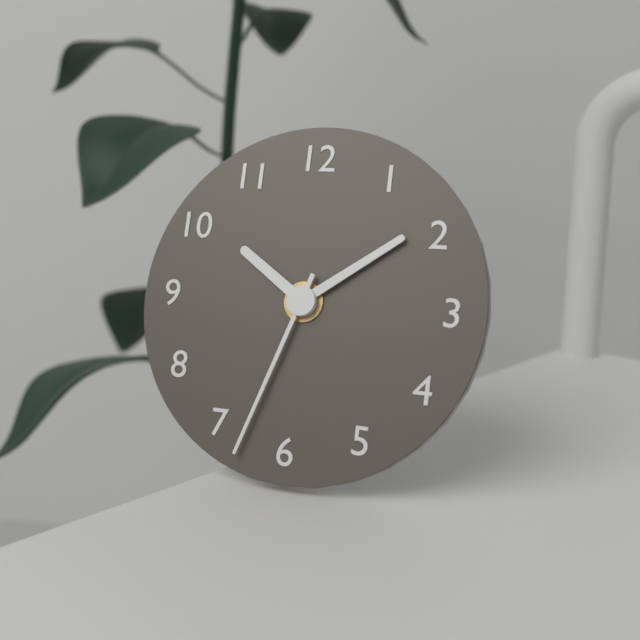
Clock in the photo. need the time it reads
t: 10:09:33
